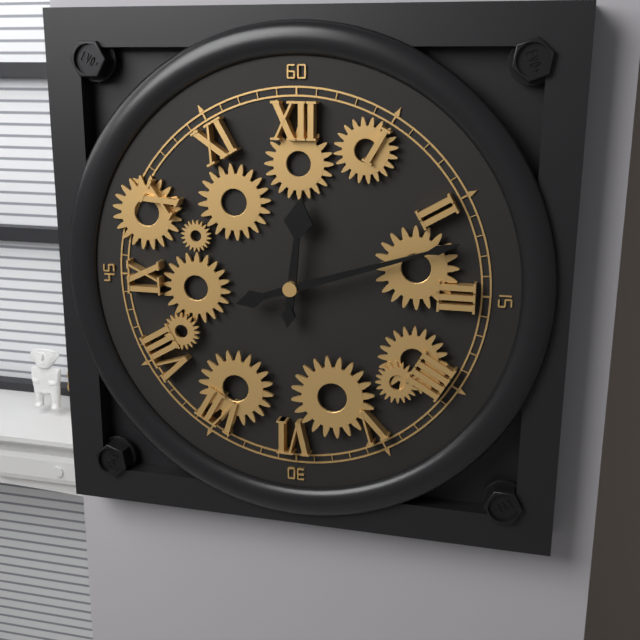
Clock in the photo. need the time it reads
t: 12:12
